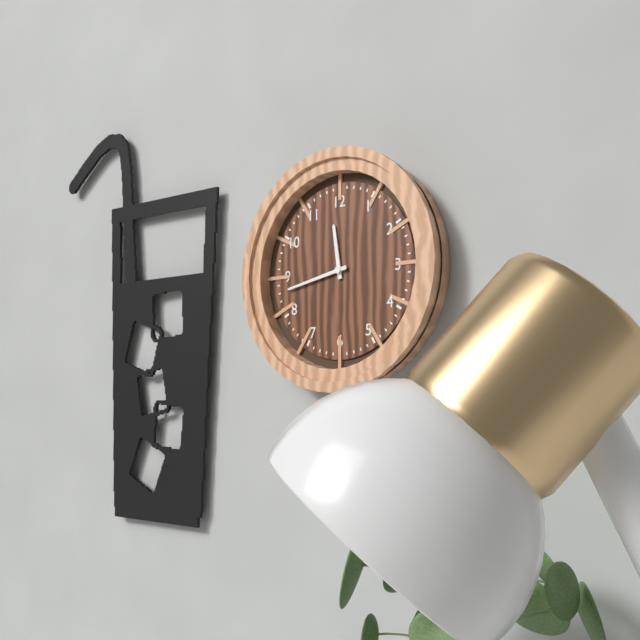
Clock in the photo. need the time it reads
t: 11:43
